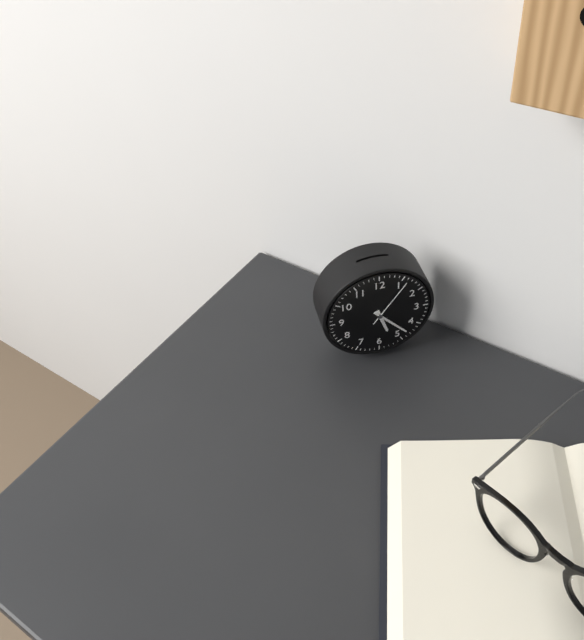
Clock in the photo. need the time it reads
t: 5:23:06
